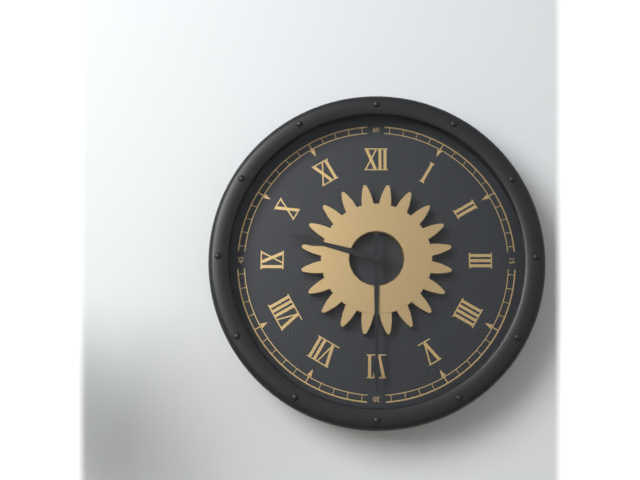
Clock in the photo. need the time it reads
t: 9:30
